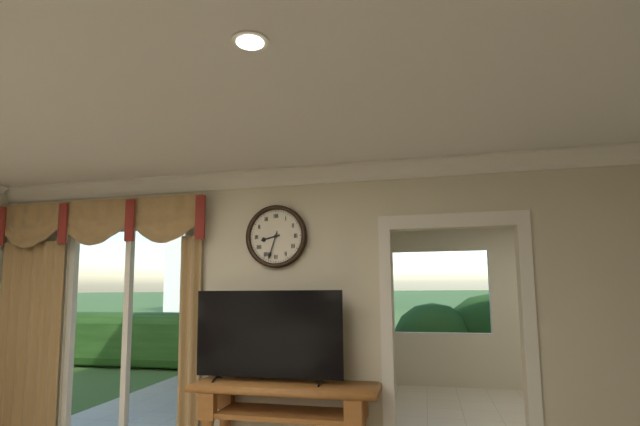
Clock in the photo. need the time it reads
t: 8:33
